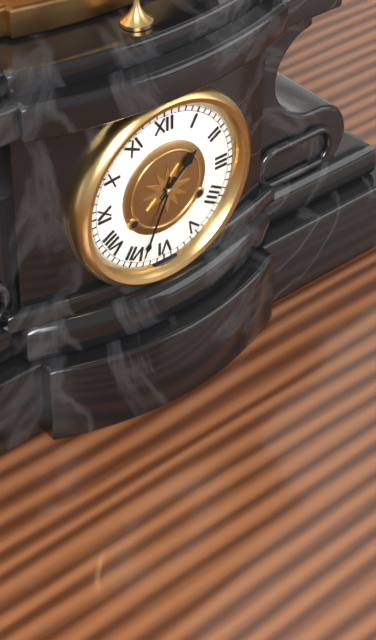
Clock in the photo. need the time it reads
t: 1:34
